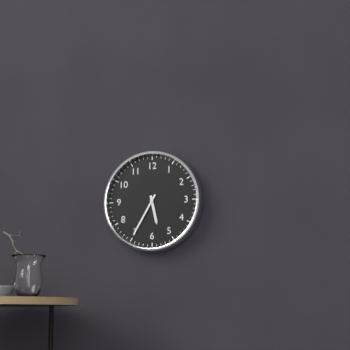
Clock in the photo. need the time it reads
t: 5:35
